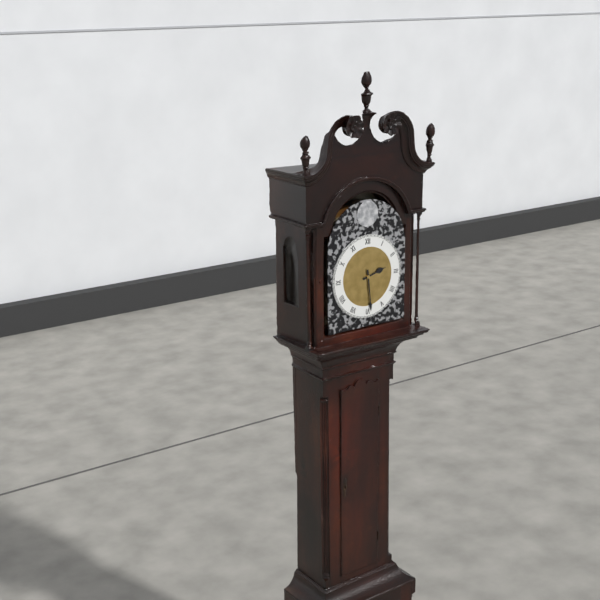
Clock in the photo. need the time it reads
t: 2:29
